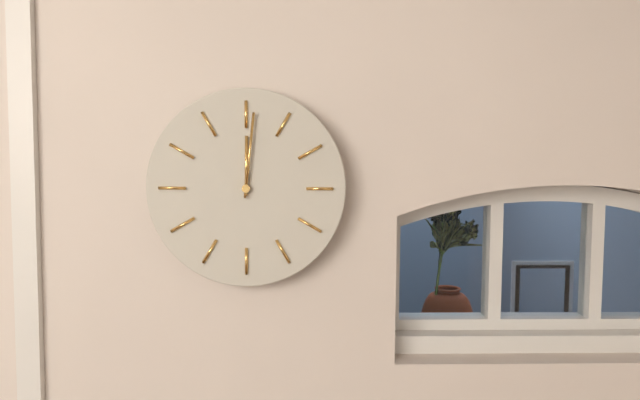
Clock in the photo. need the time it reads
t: 12:01
